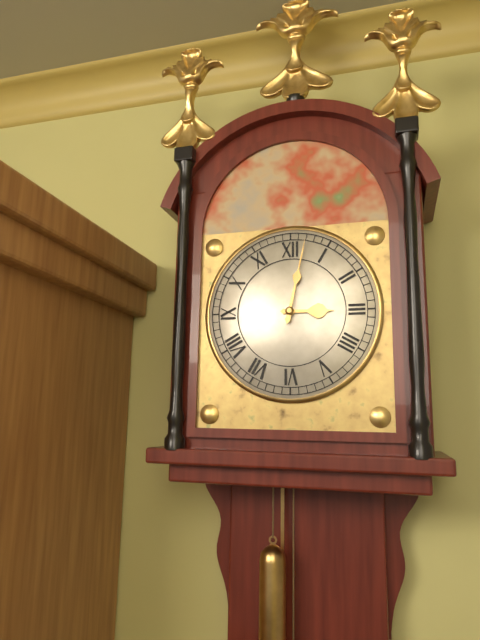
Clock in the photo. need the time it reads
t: 3:02
